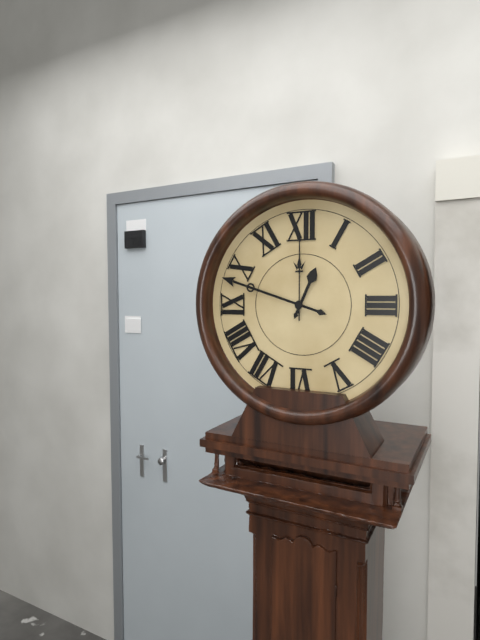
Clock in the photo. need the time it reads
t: 12:48:00
